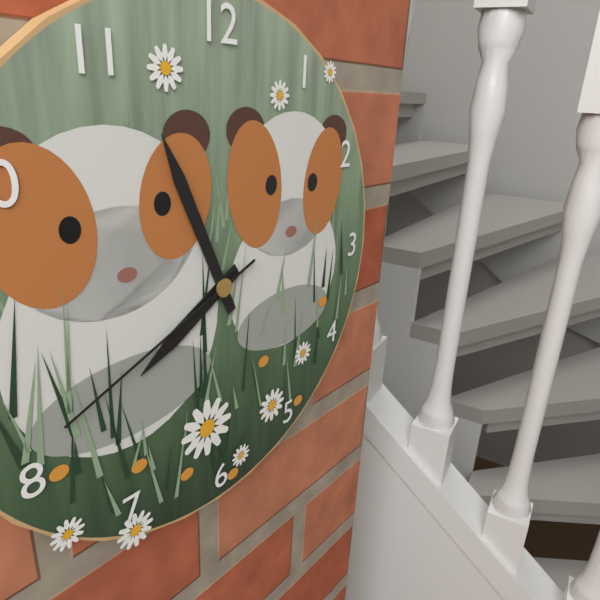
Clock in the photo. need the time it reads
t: 7:56:41
